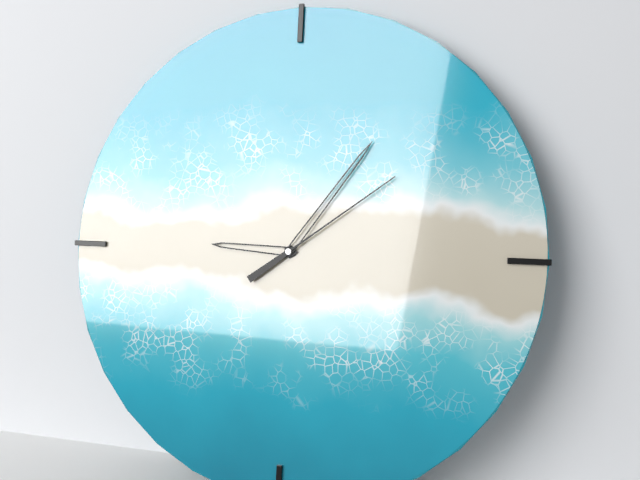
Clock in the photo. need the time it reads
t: 9:06:09
